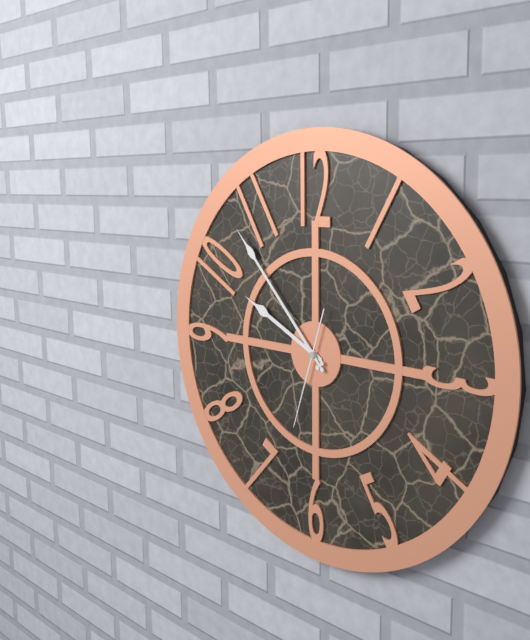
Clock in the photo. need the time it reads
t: 9:53:33
